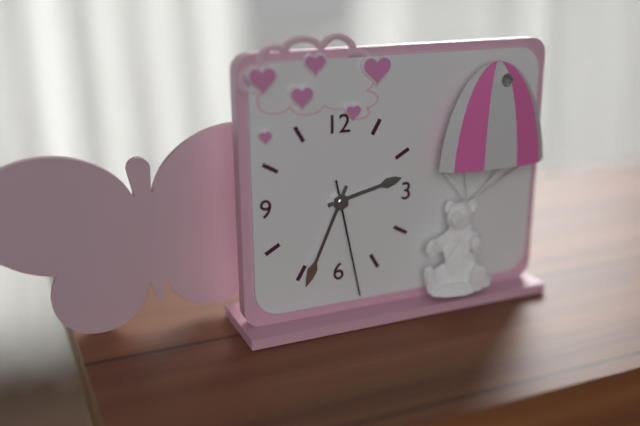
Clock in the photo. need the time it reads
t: 2:34:28
